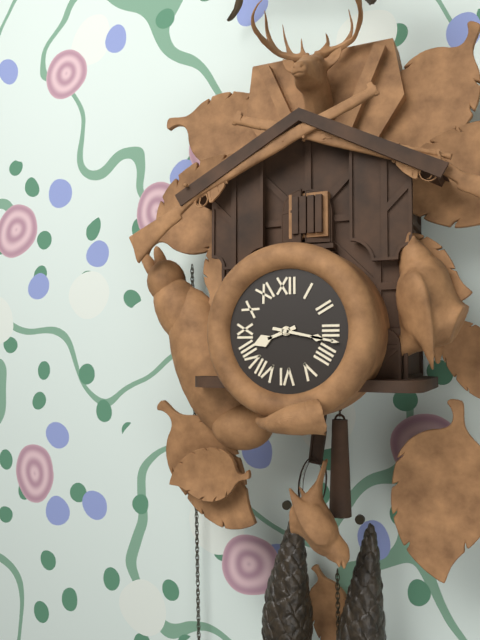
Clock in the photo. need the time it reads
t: 8:17
